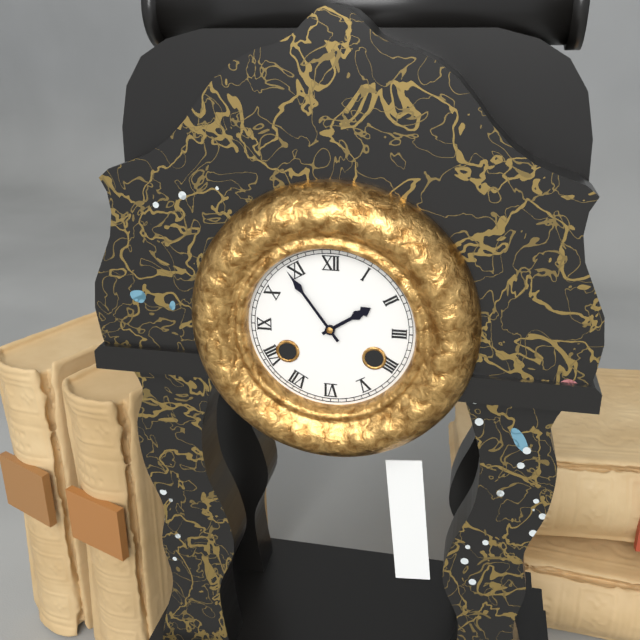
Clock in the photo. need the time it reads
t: 1:54
